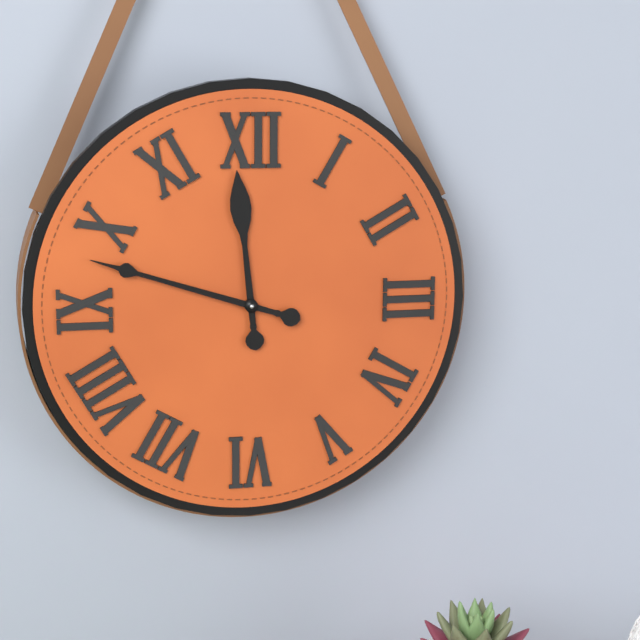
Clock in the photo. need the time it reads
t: 11:48
